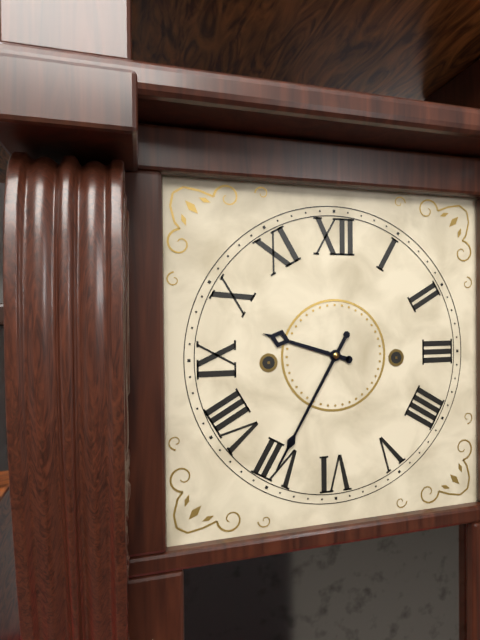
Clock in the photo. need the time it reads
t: 9:35
